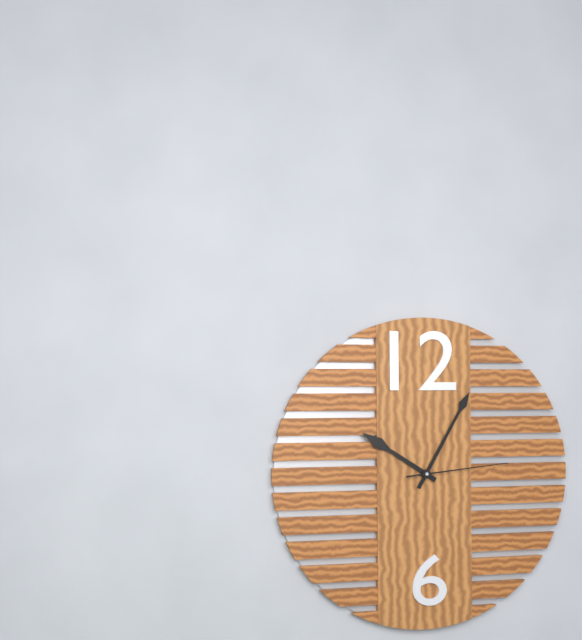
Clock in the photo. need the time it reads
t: 10:05:14
